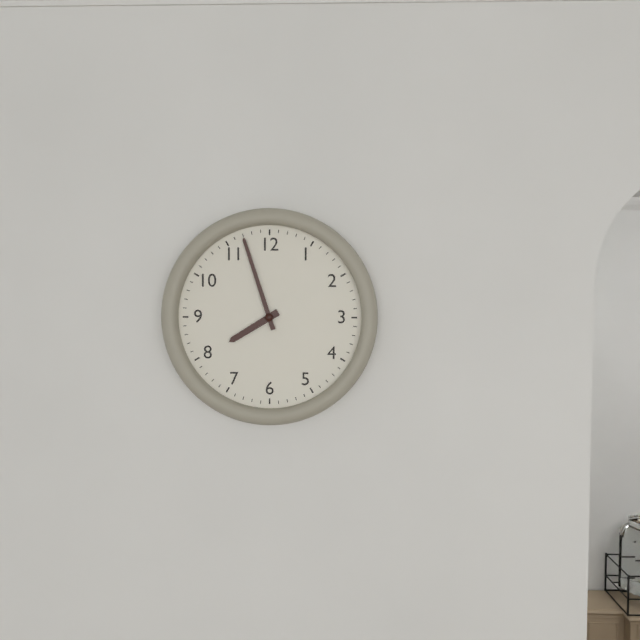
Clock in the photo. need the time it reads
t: 7:57
